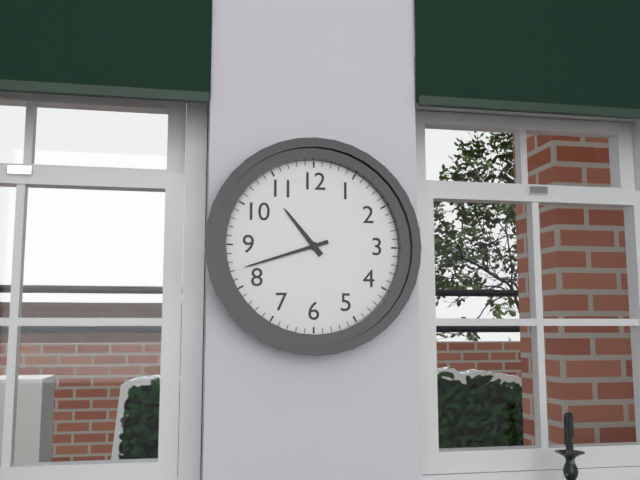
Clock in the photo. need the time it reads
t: 10:42
